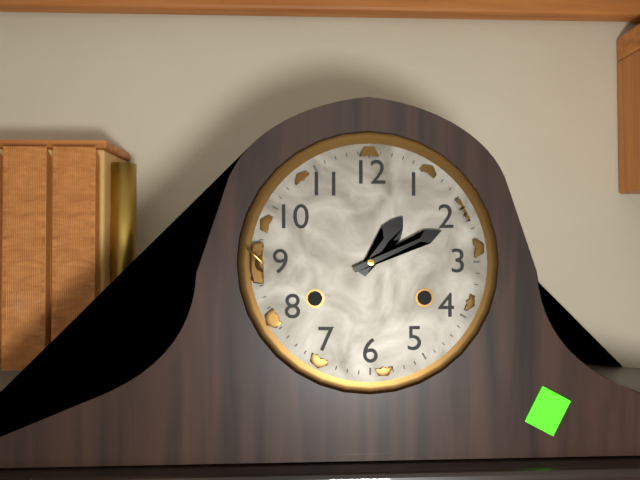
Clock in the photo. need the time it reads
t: 1:11
